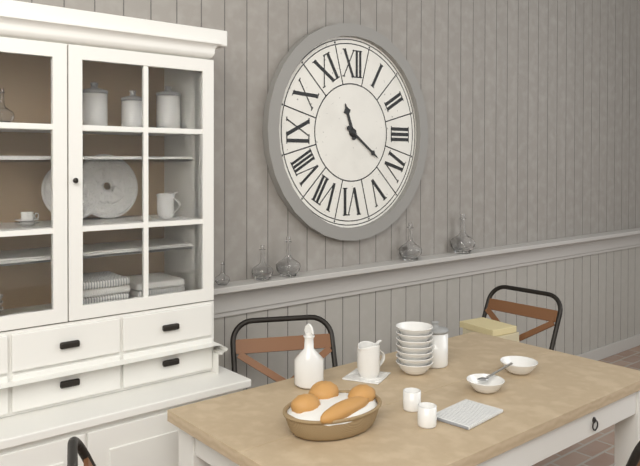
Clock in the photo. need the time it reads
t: 11:21
